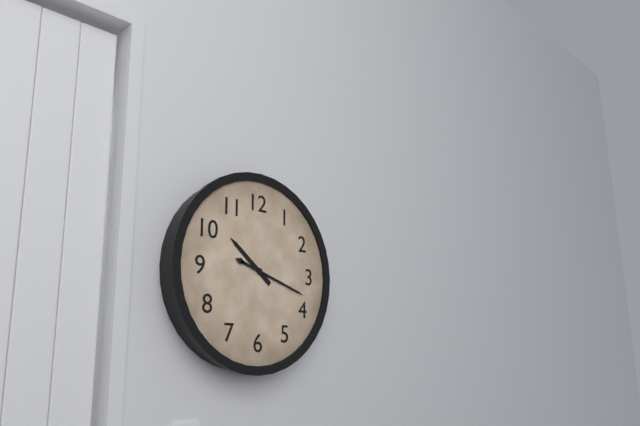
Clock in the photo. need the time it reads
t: 10:18
